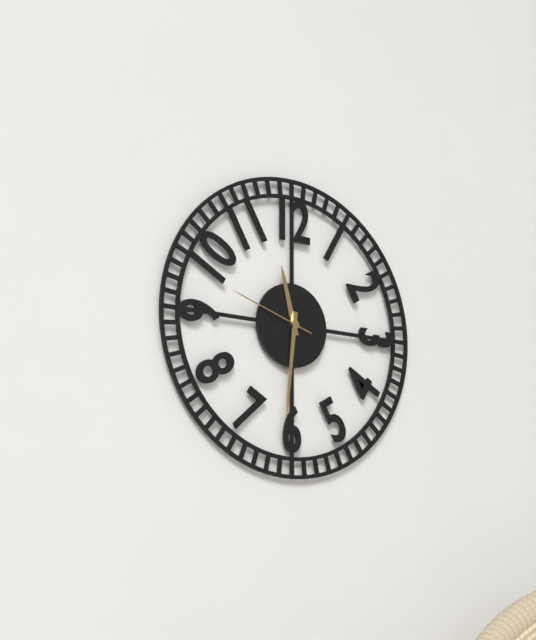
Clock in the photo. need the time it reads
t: 11:31:48
